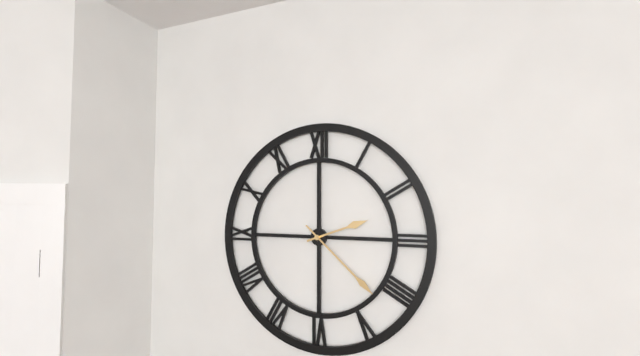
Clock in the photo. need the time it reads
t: 2:22
